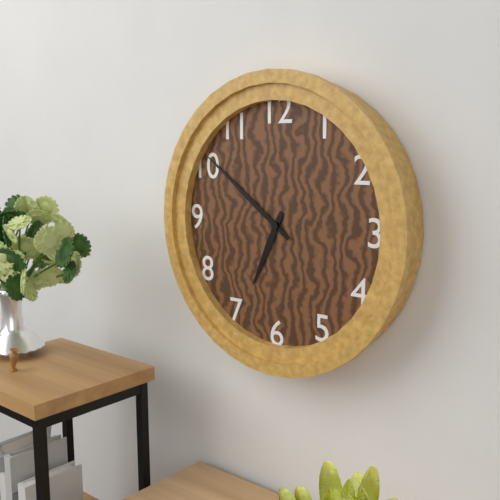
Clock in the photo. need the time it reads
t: 6:51
